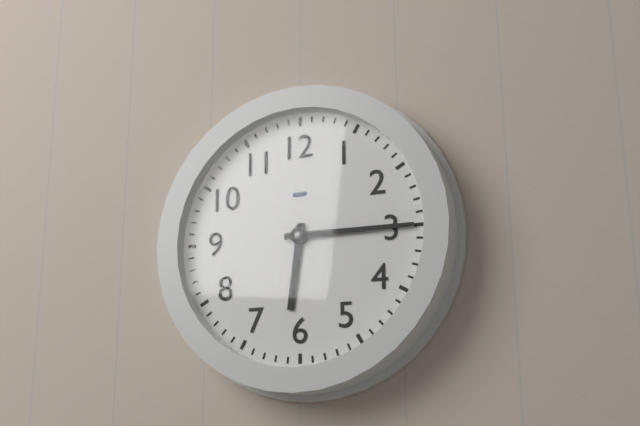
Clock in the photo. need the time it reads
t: 6:15
